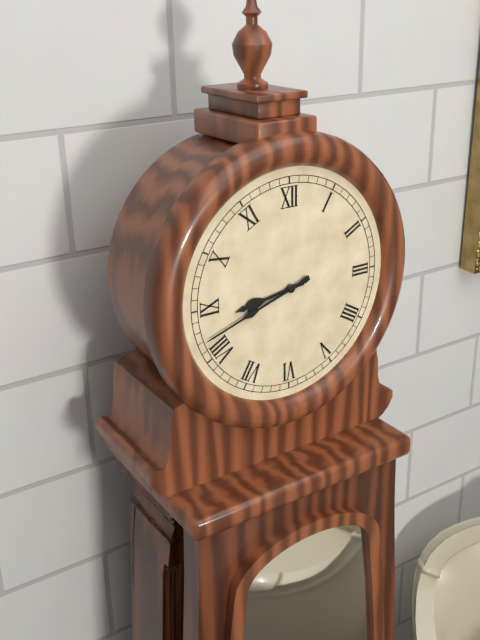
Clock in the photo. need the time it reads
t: 8:42
